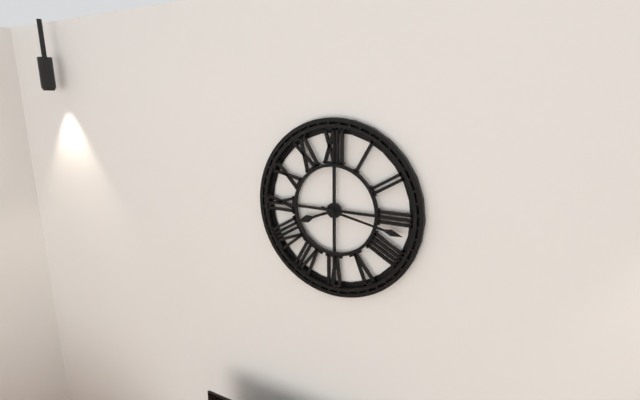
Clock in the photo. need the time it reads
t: 8:17
